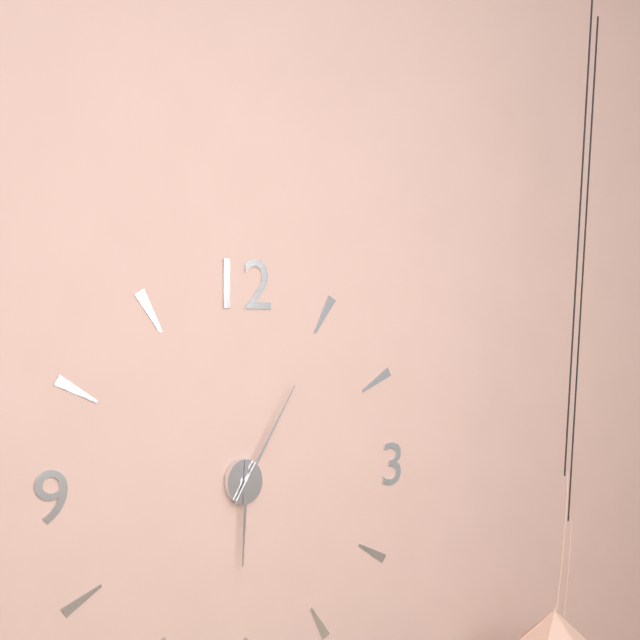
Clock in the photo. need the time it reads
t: 6:05
